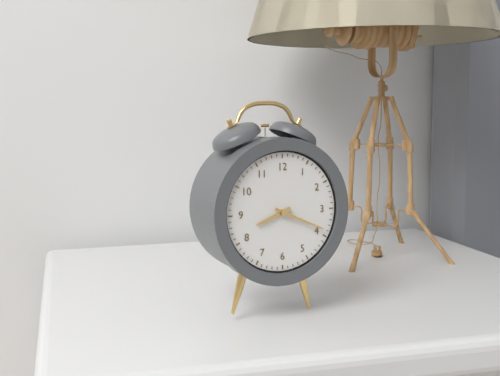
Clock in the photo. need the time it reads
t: 8:19
